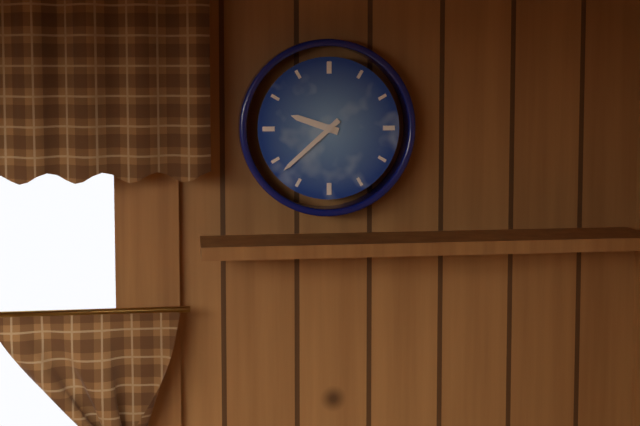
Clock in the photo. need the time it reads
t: 9:38
